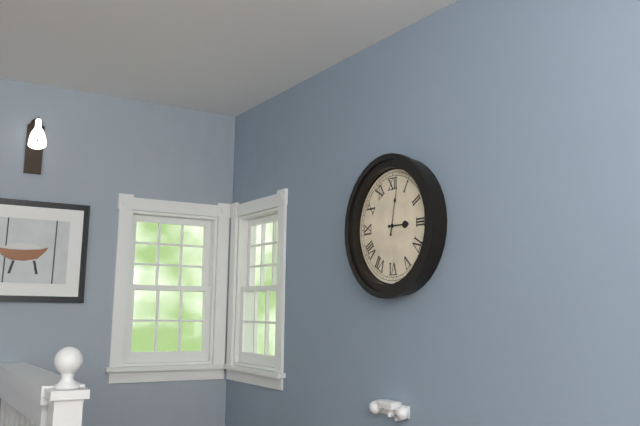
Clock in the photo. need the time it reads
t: 3:02
